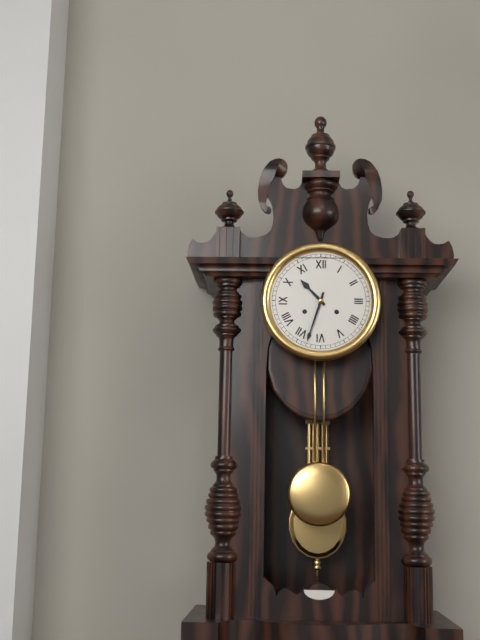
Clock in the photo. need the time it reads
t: 10:33
